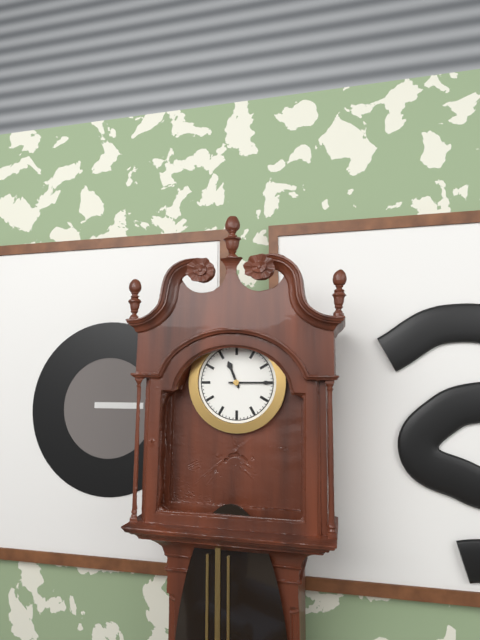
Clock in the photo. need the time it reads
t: 11:15
